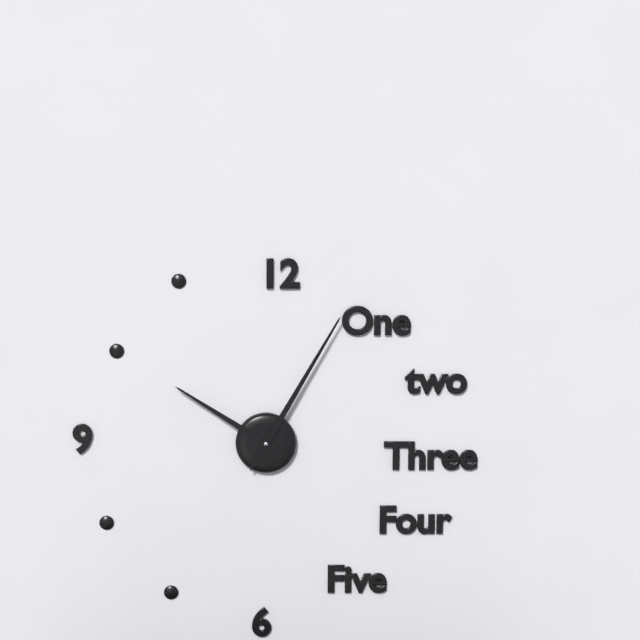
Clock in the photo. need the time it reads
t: 10:05
